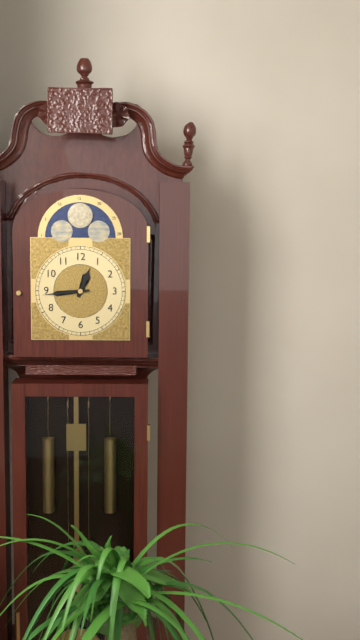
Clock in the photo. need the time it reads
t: 12:44
